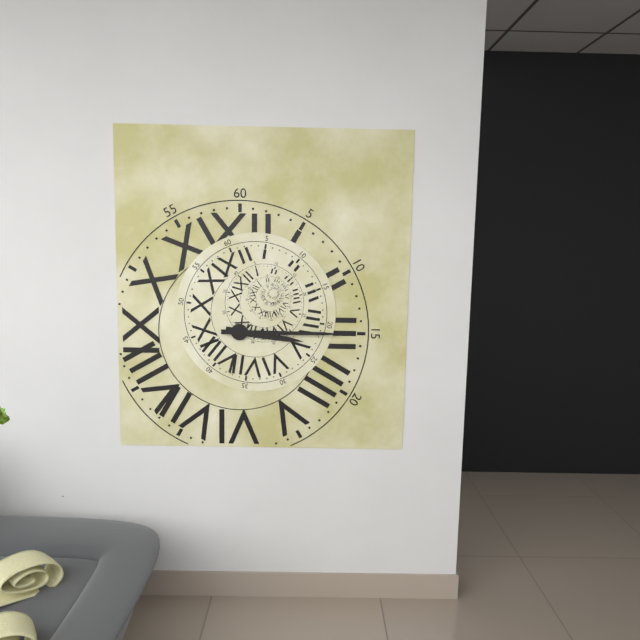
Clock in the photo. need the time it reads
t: 3:15
